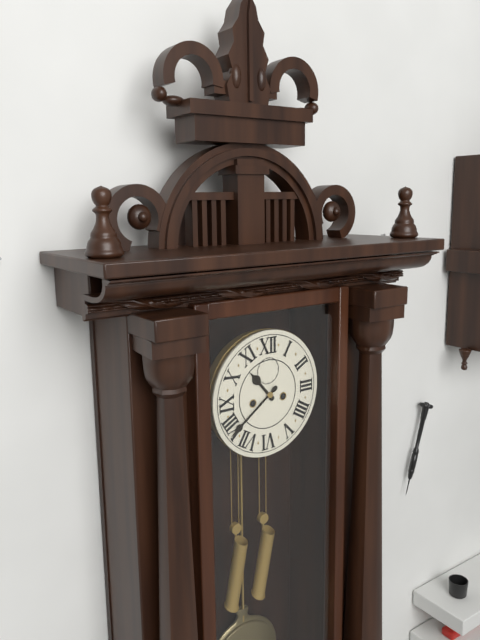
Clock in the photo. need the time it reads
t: 10:39
